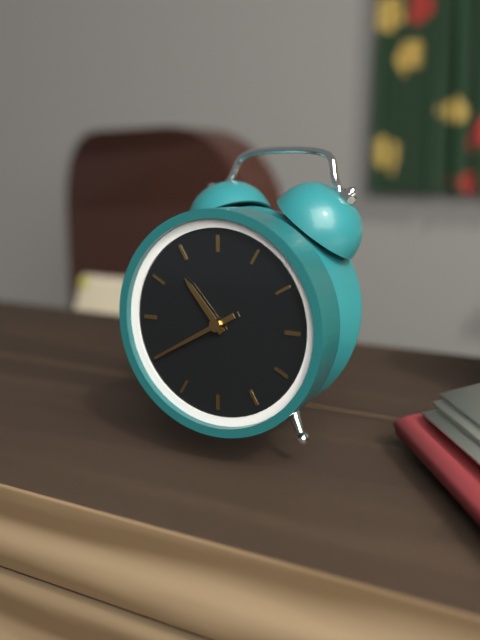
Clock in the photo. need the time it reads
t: 10:40
